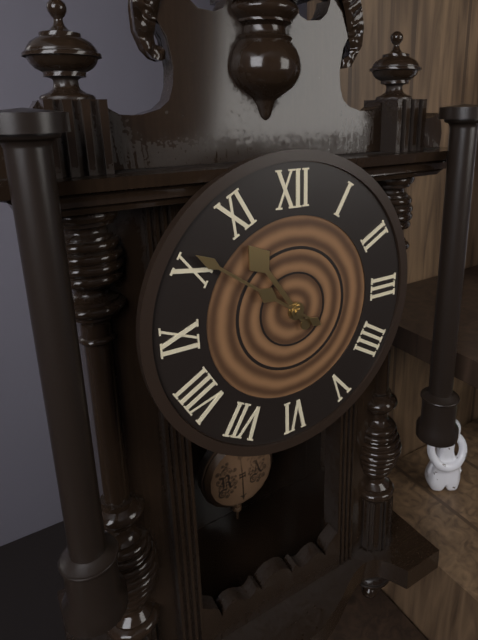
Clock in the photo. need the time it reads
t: 10:51
